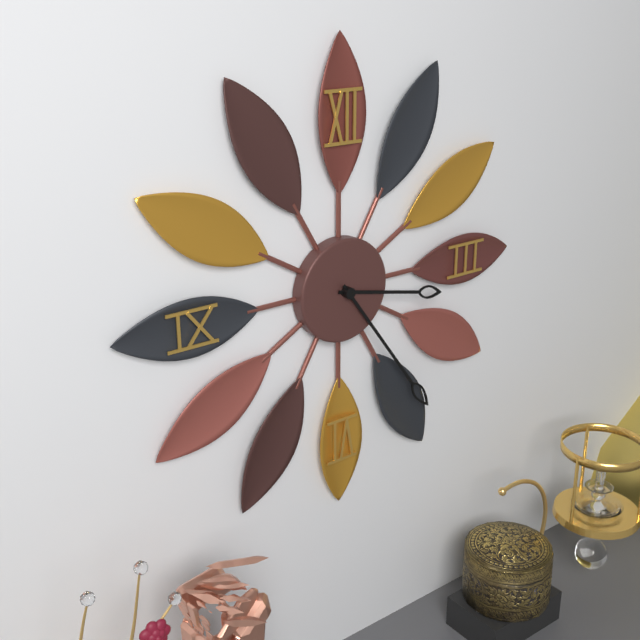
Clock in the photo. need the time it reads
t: 3:24
